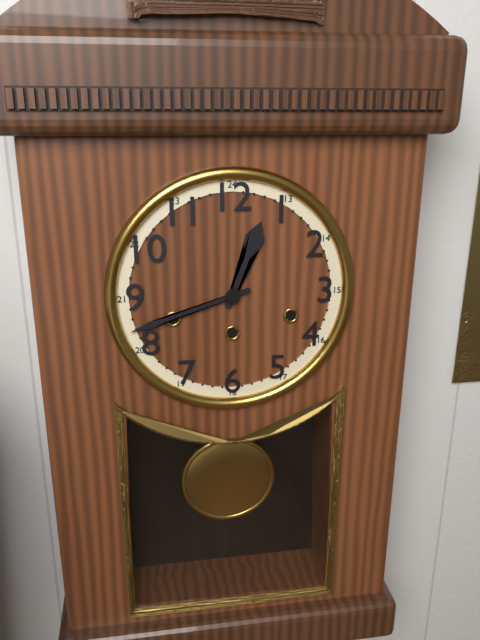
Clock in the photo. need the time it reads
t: 12:42
